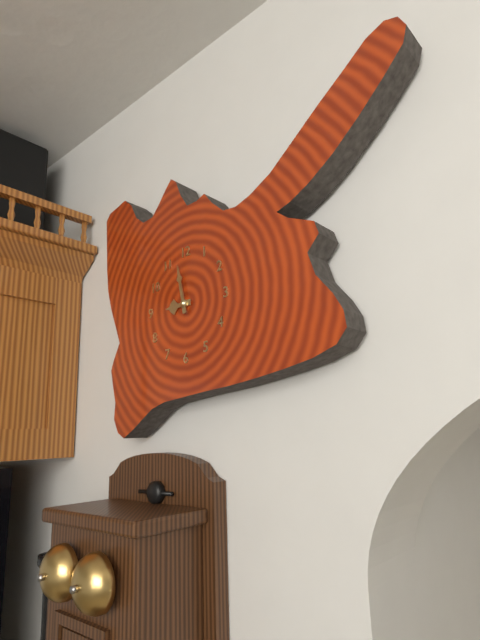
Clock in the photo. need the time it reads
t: 8:58
